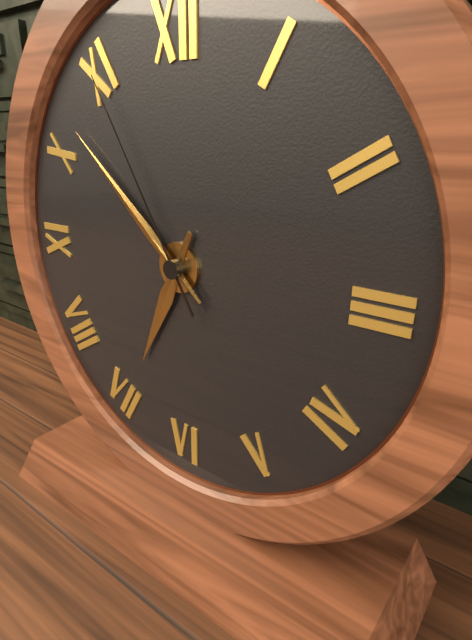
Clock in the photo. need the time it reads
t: 6:52:55
